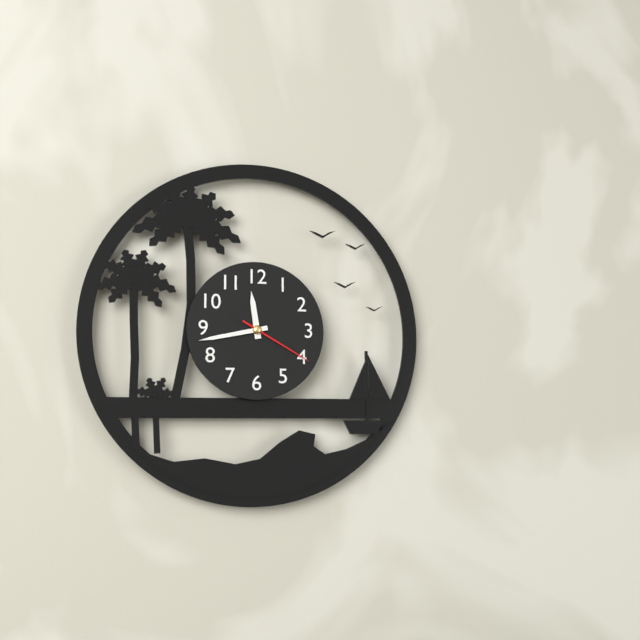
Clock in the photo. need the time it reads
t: 11:43:20
